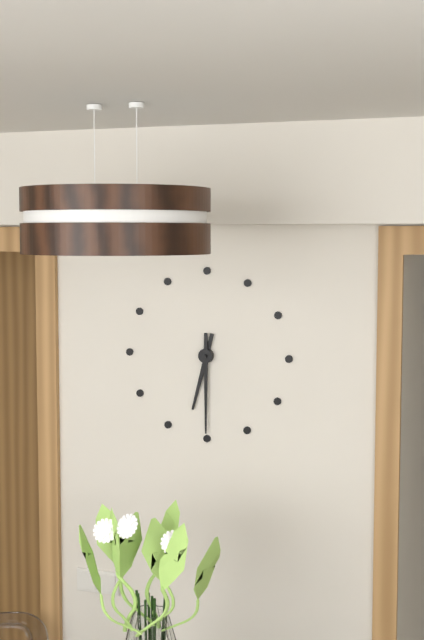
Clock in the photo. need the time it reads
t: 6:30
